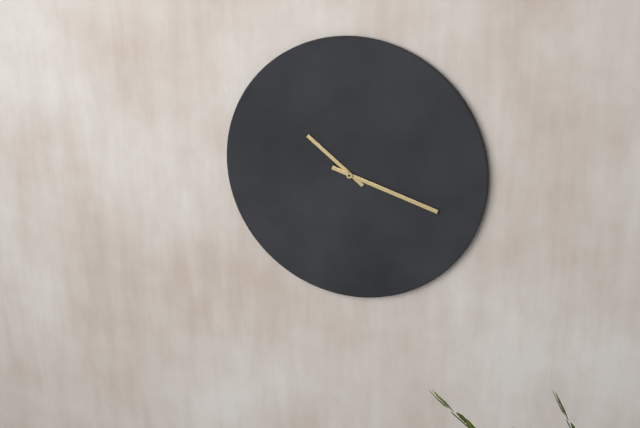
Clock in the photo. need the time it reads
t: 10:18
